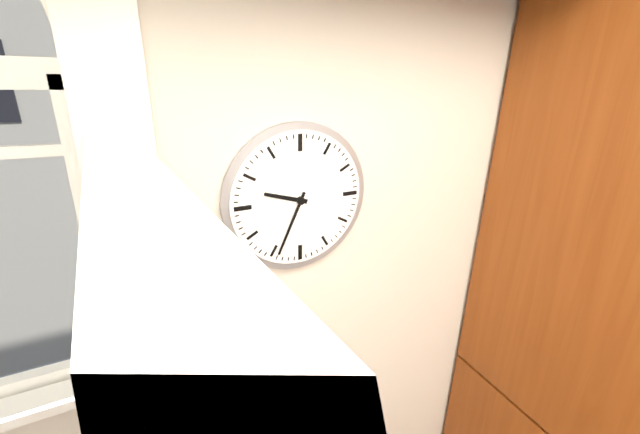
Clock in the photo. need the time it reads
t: 9:34
